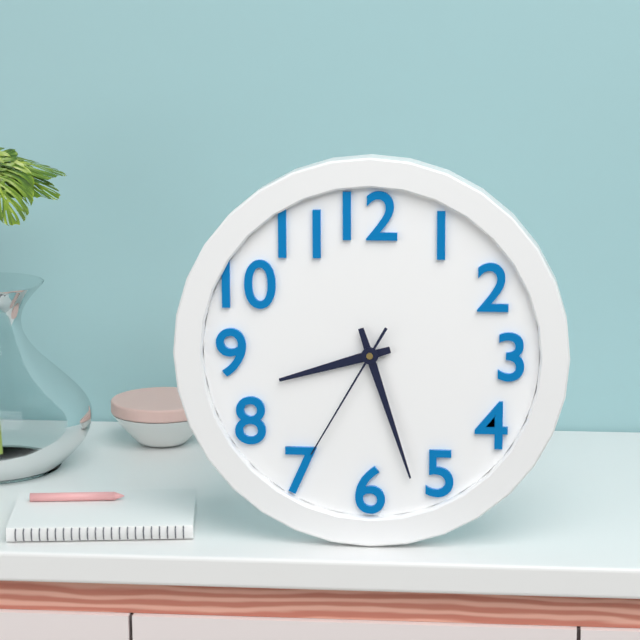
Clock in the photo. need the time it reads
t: 8:27:35
